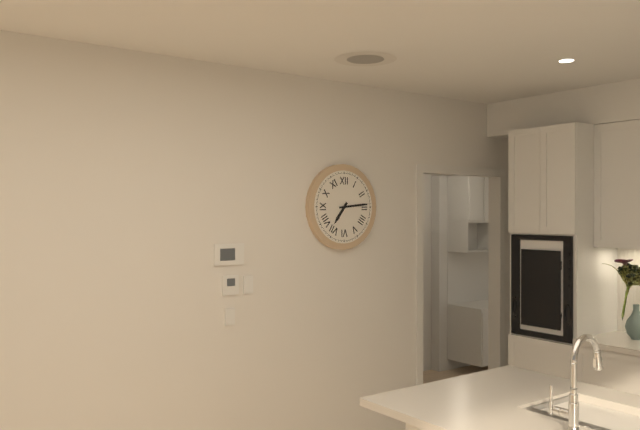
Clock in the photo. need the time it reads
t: 7:14
